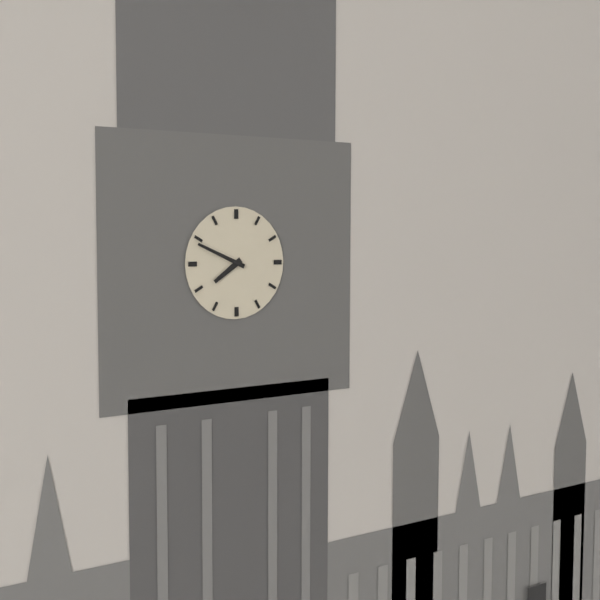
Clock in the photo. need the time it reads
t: 7:49
